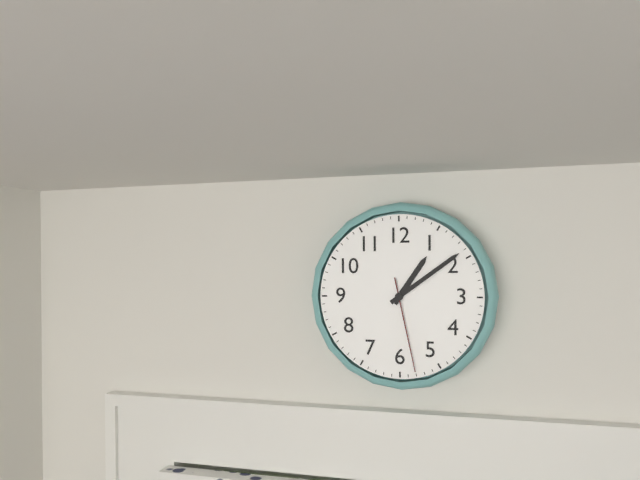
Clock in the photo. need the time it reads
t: 1:09:28
